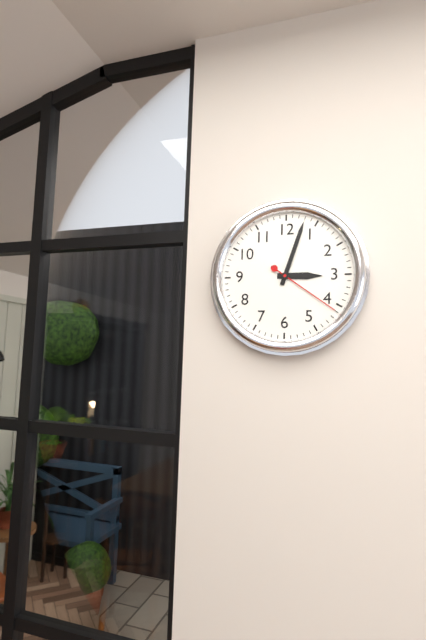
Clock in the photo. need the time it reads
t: 3:03:21
